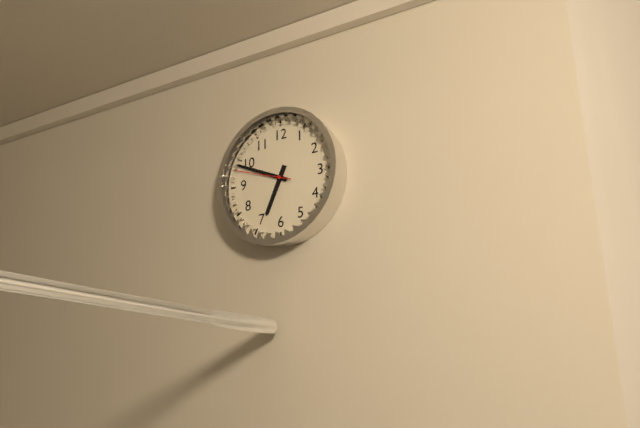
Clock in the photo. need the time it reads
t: 6:49:48
